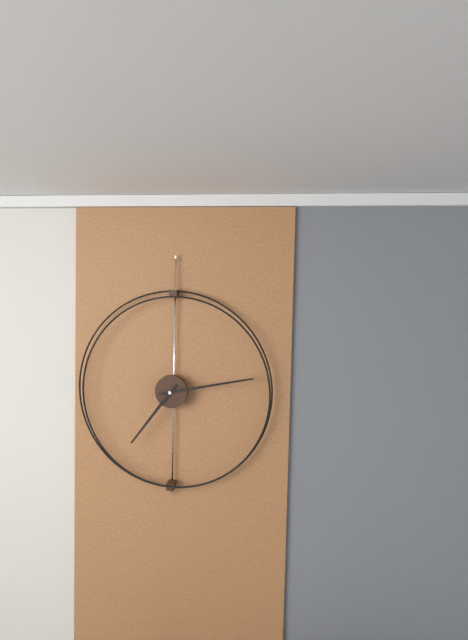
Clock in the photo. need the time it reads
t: 7:13
